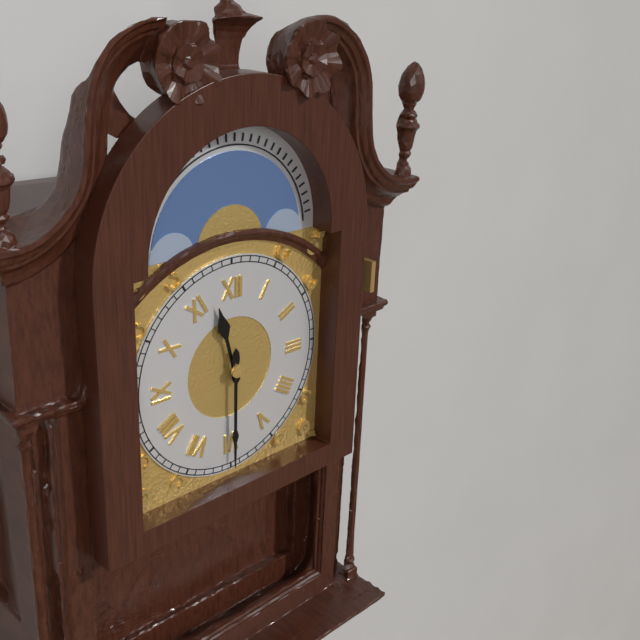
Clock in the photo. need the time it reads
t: 11:30
